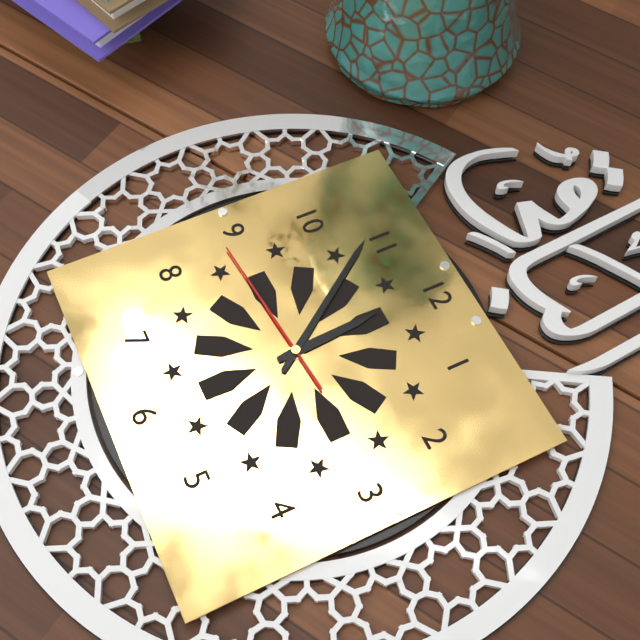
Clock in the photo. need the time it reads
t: 11:54:44
